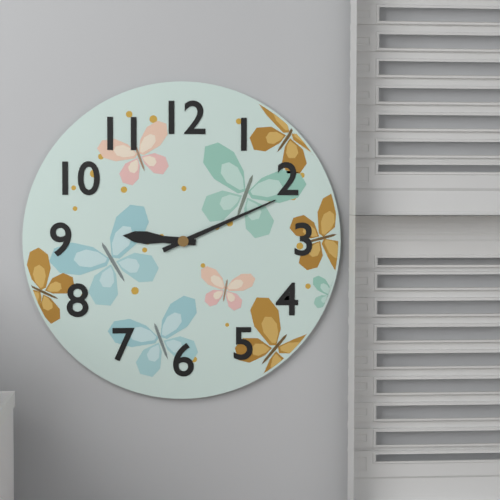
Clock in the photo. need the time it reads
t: 9:11
